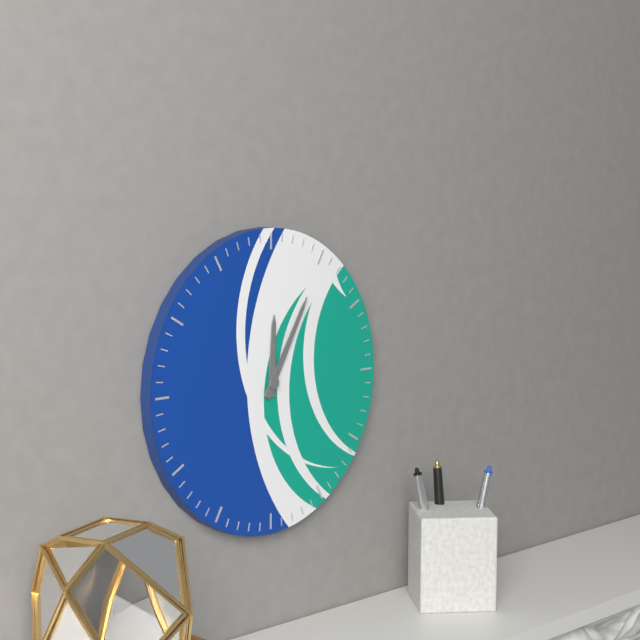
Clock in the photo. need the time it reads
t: 12:05
